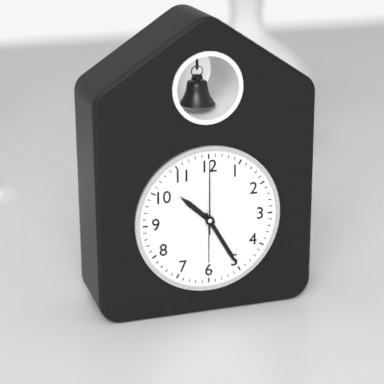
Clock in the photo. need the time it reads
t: 10:25:00
